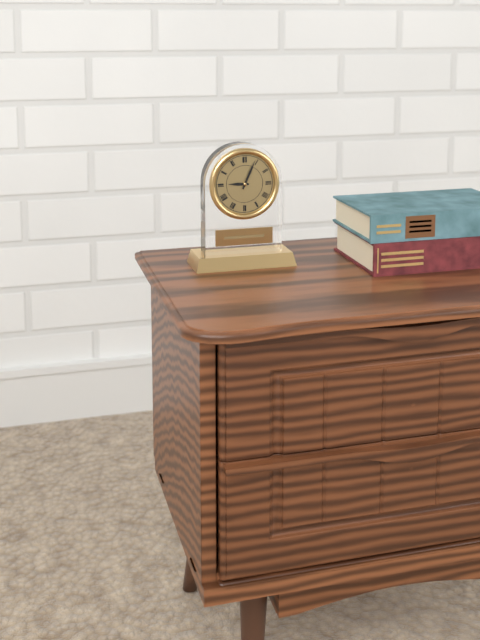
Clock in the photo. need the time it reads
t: 9:04
